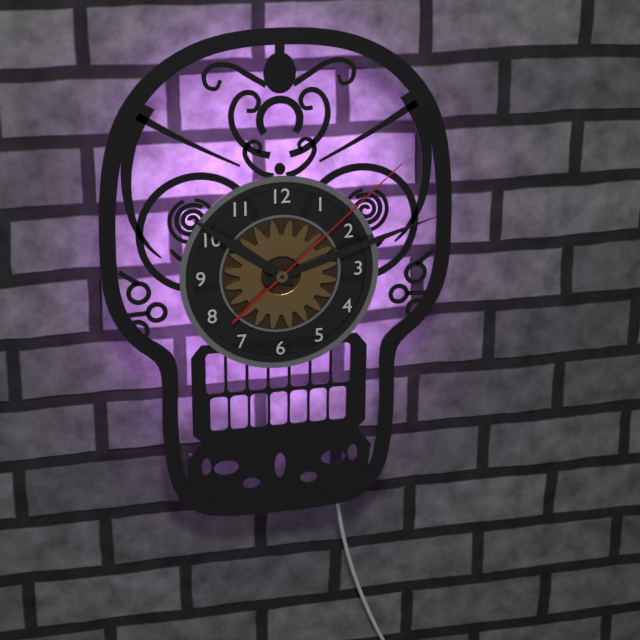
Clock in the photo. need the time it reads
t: 10:12:08
